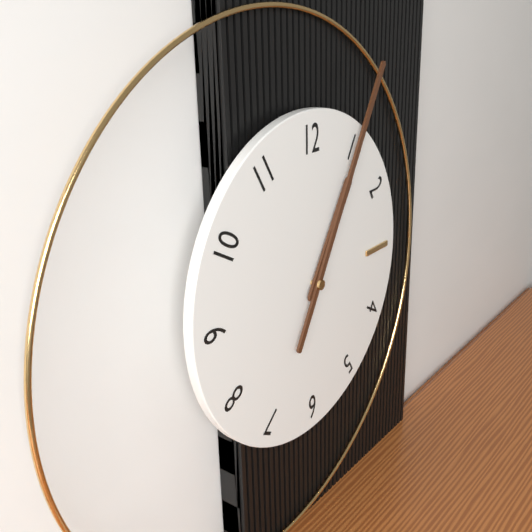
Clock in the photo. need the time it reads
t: 1:05
